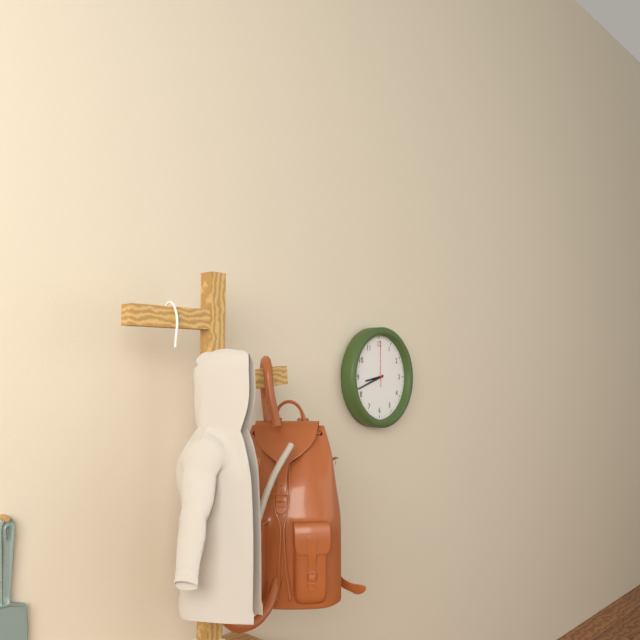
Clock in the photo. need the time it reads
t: 8:42
